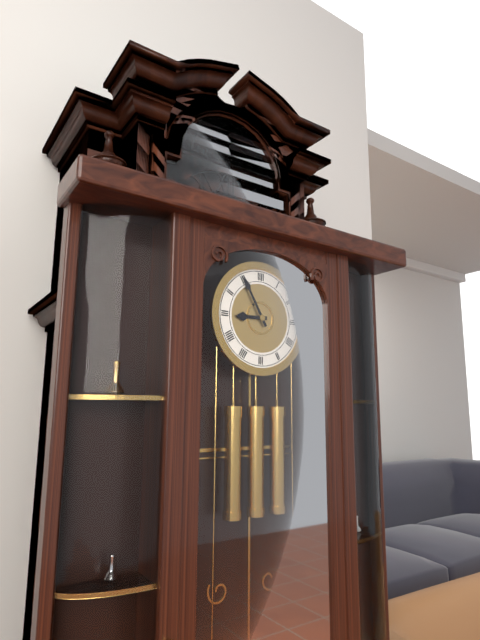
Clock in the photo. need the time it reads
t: 8:55
